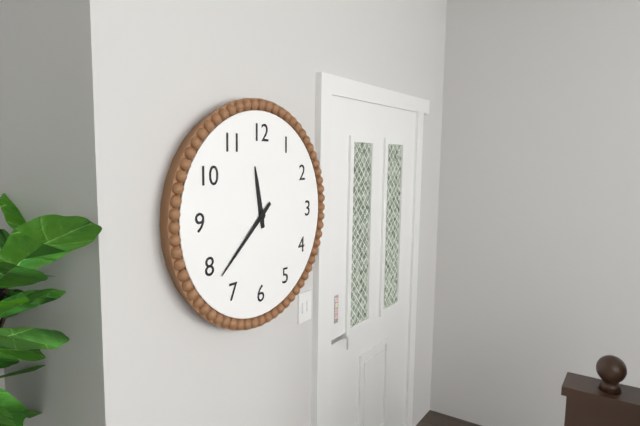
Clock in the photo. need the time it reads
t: 11:38
